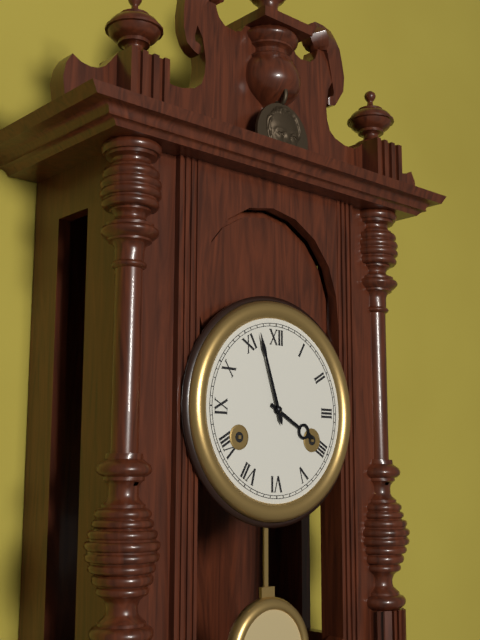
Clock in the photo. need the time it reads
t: 3:57
